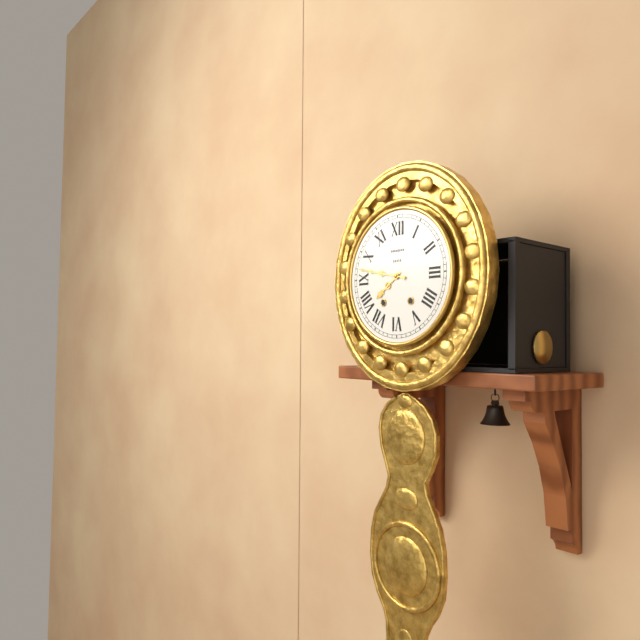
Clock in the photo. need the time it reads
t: 7:47
